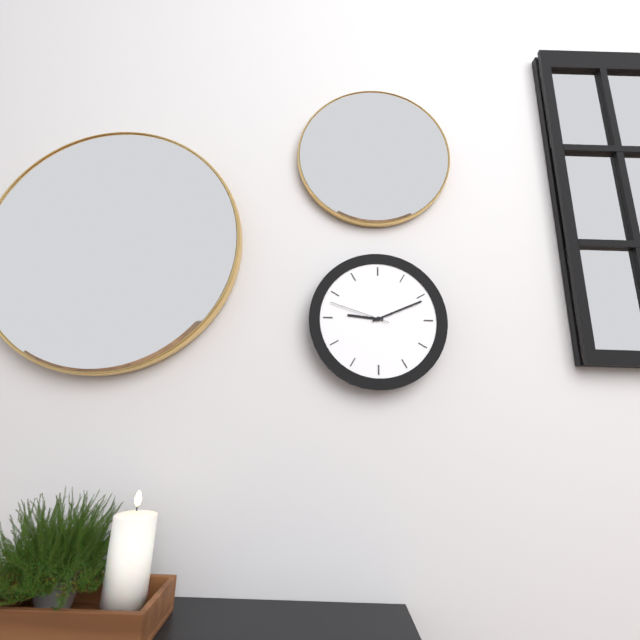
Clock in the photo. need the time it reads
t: 9:11:48
